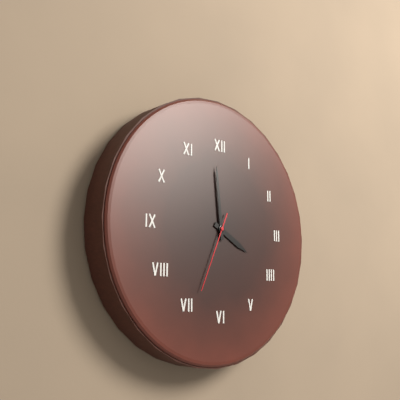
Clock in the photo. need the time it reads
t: 3:59:34
